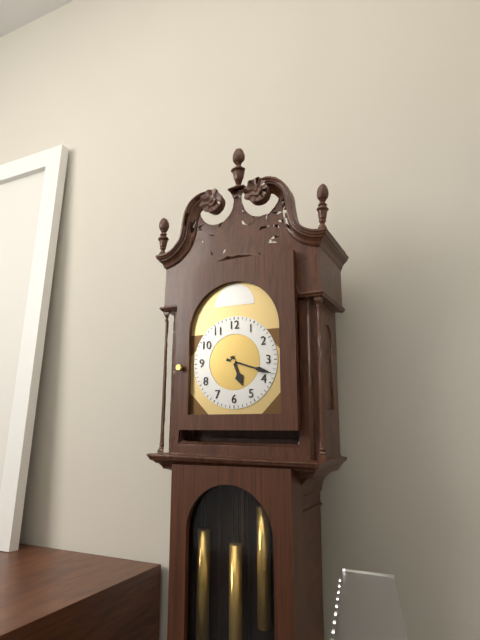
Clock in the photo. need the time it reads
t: 5:18
